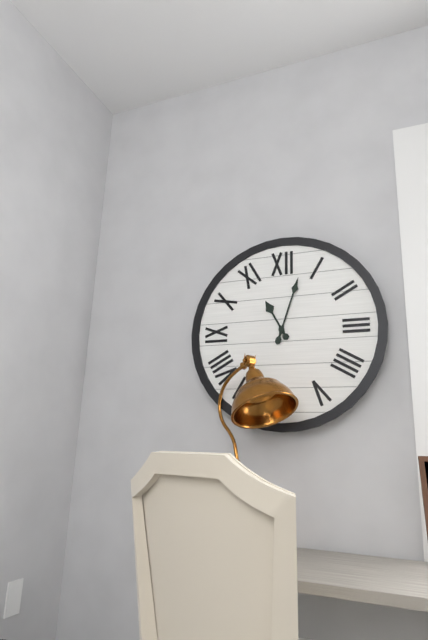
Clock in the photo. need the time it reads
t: 11:03
